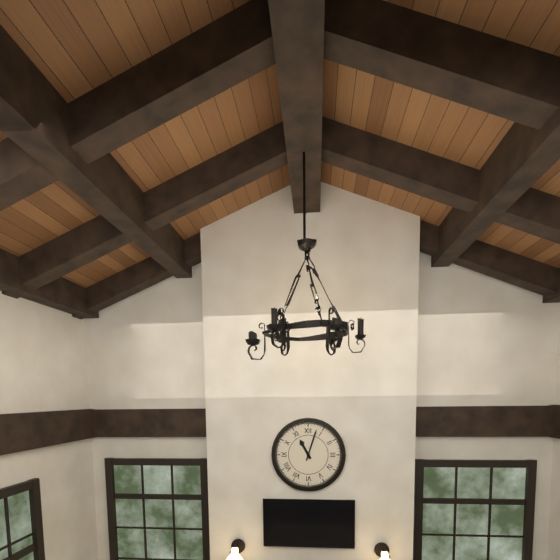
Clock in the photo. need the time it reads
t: 11:03
